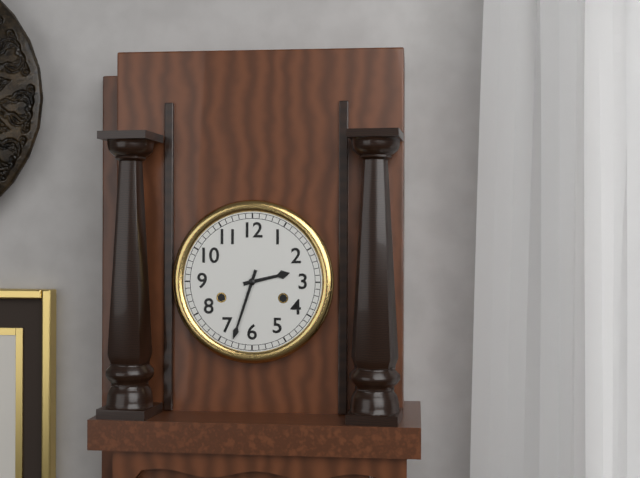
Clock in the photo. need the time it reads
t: 2:33
